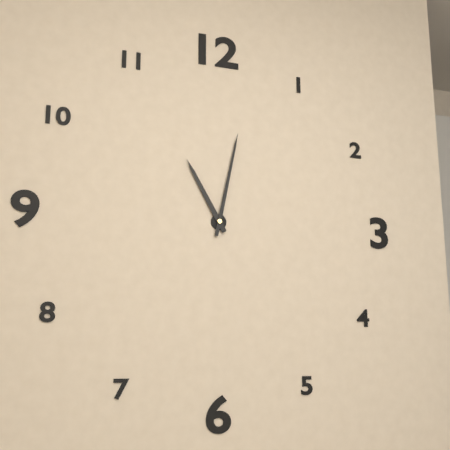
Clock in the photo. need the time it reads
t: 11:02
